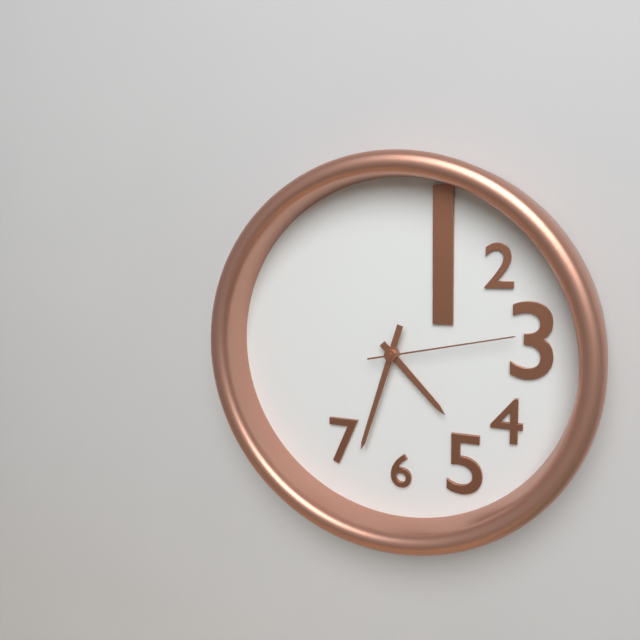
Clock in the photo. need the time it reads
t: 4:33:13
